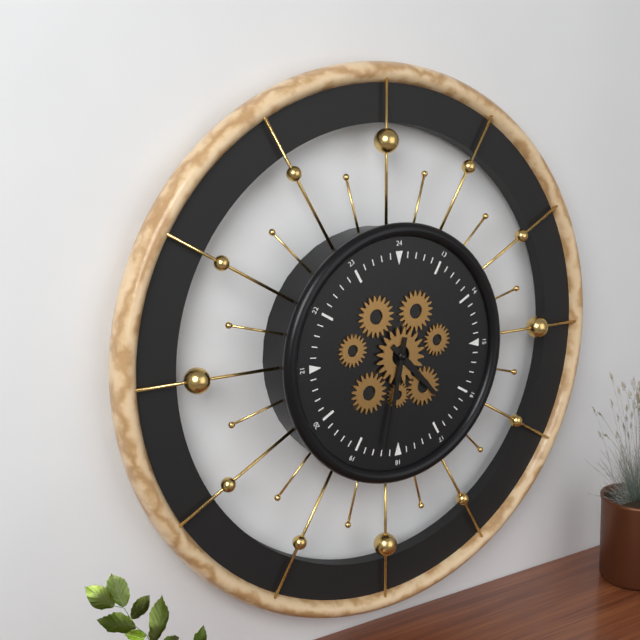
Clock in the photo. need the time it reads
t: 4:32
